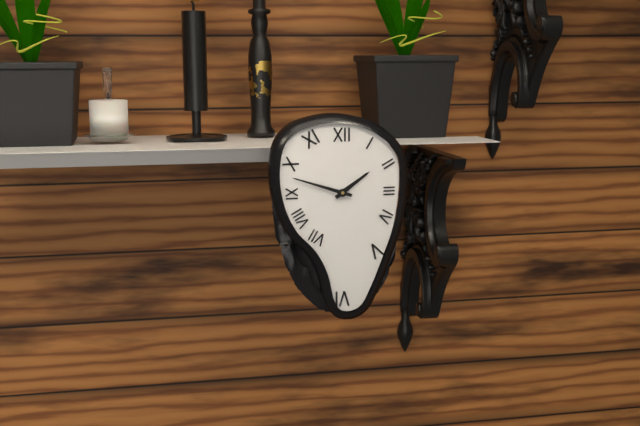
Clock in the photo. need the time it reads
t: 1:48
